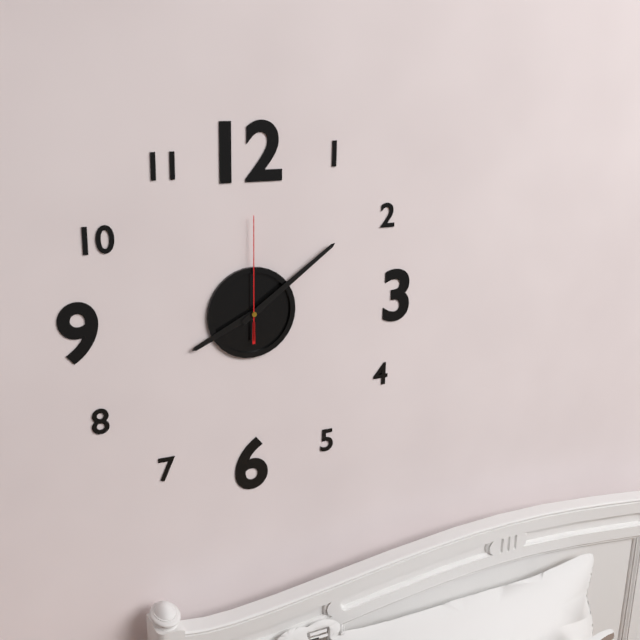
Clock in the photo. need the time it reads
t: 8:09:00
